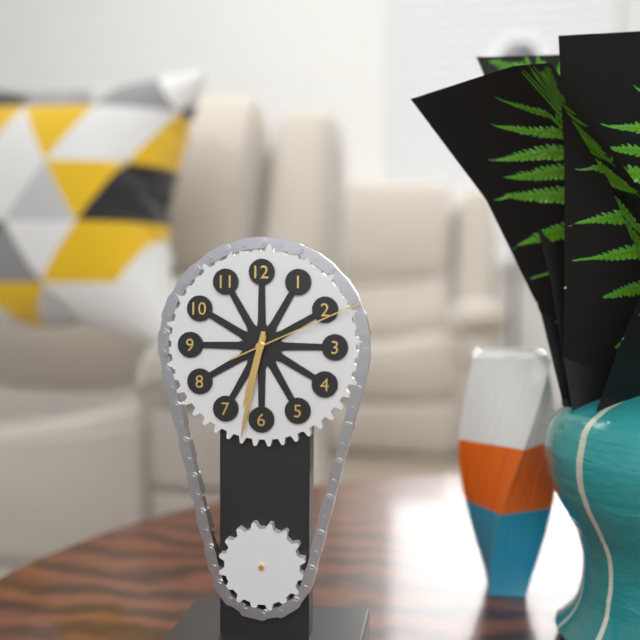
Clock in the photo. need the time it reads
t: 6:32:11
